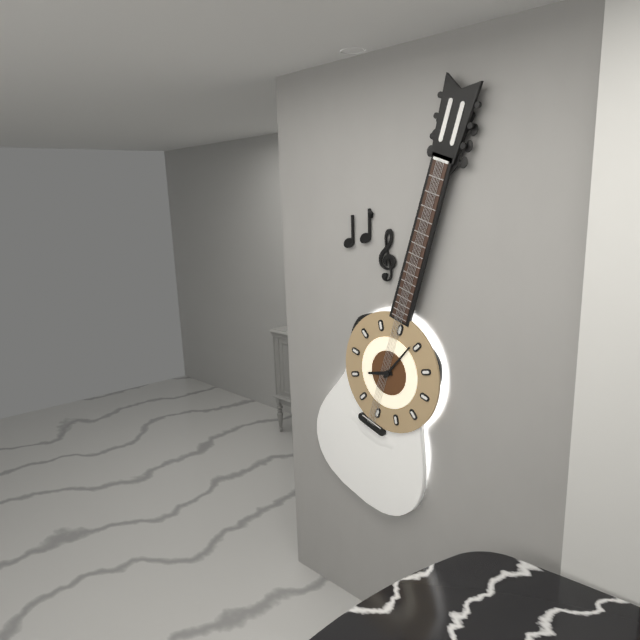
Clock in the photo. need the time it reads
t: 8:04
